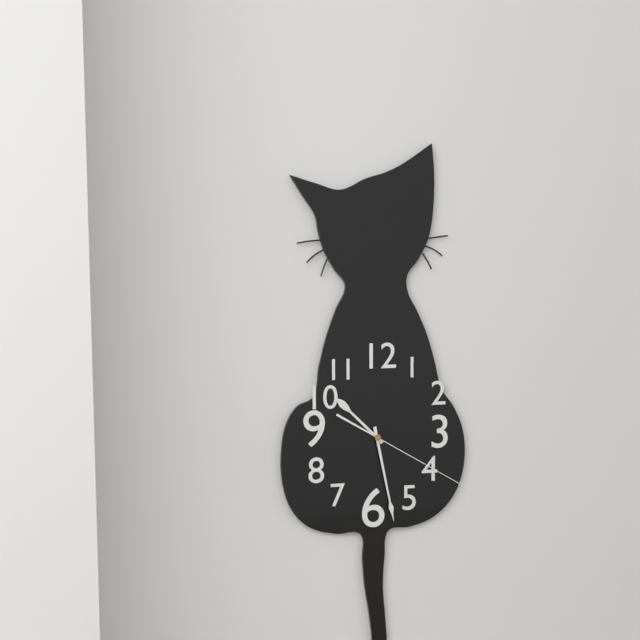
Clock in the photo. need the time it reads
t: 10:28:20
